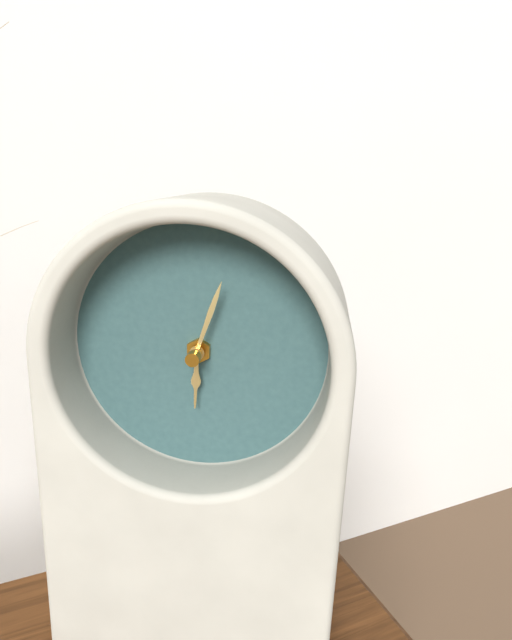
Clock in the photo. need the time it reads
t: 6:03
